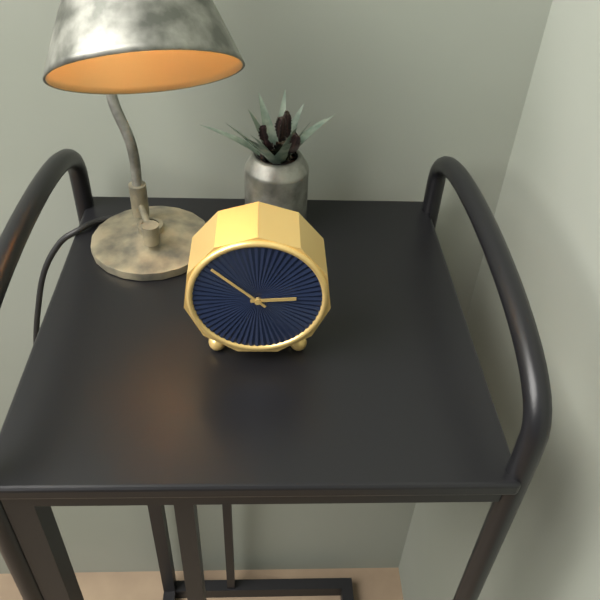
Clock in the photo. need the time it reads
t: 2:52
